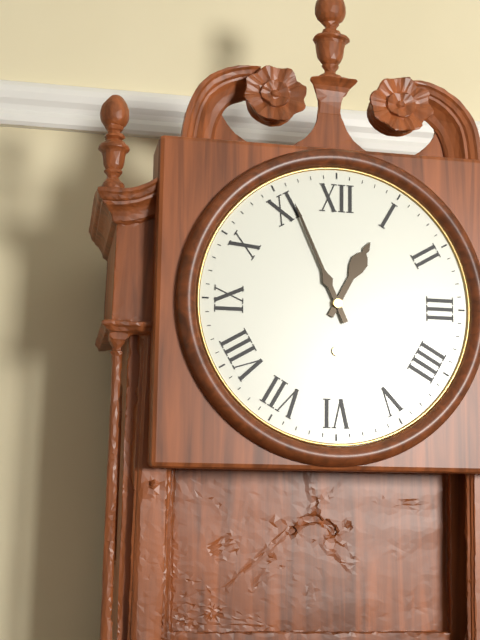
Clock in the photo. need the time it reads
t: 12:56
